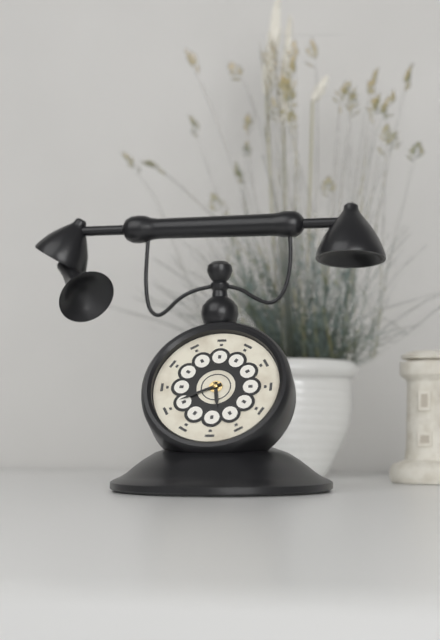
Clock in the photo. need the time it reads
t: 5:41
